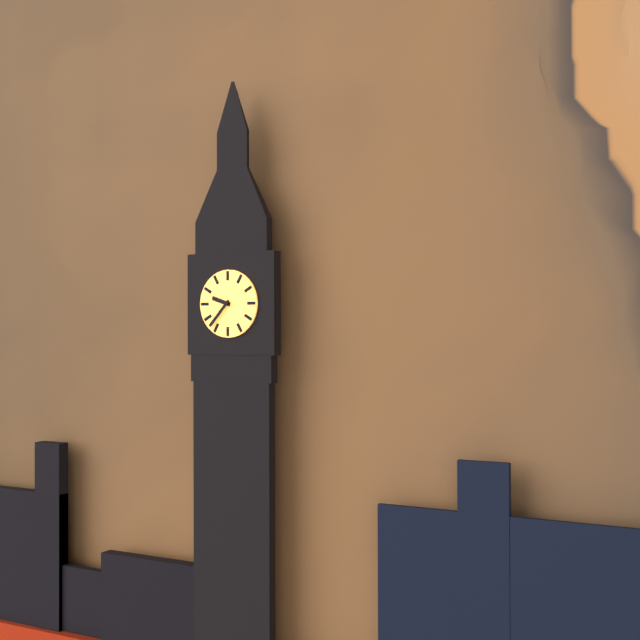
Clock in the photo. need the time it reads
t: 9:37
